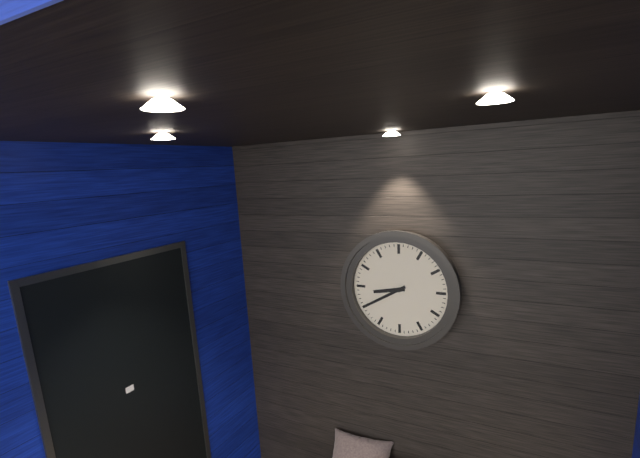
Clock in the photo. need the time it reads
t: 8:40
